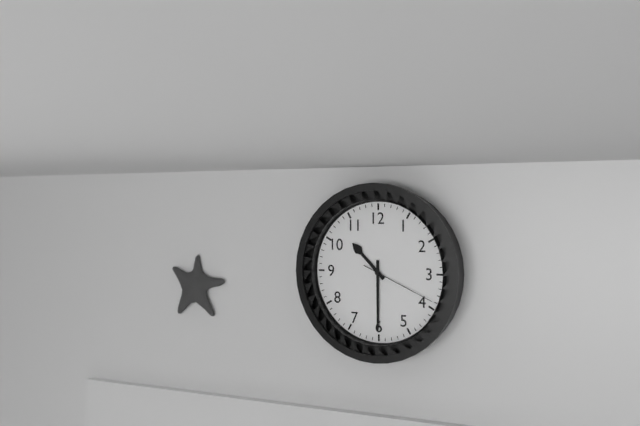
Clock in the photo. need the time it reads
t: 10:30:19
